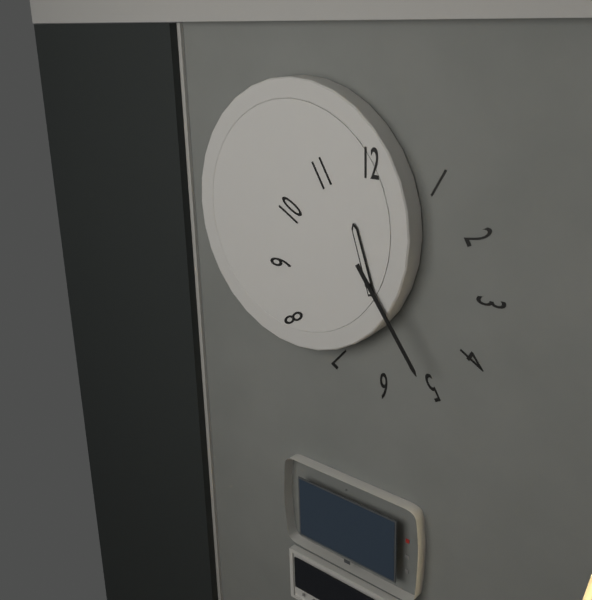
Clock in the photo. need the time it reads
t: 11:24
